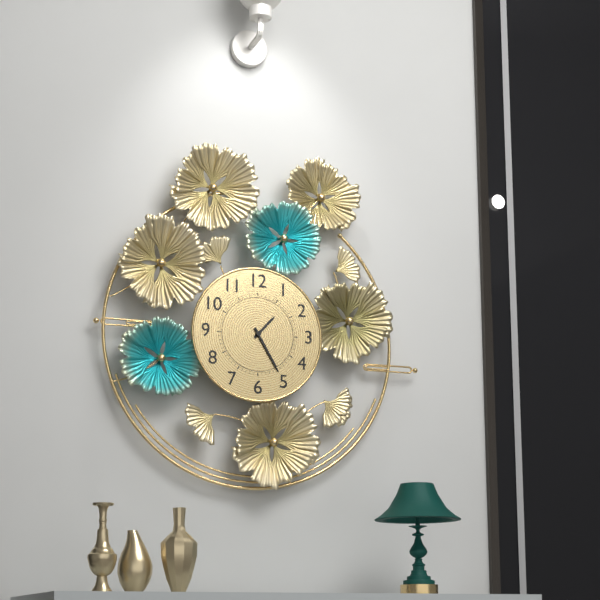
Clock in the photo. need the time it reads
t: 1:25
